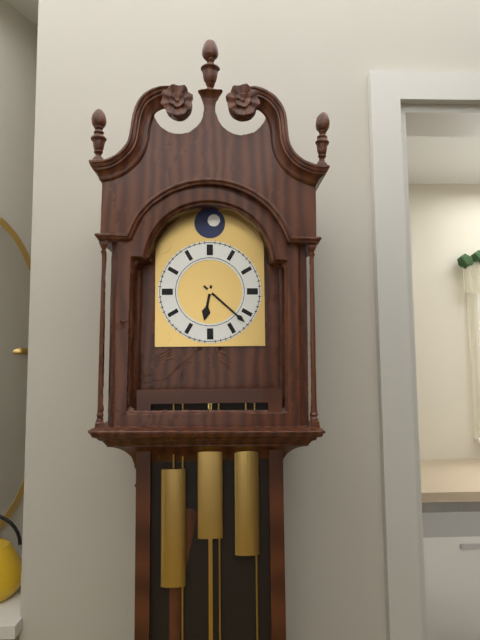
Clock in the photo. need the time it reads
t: 6:22
